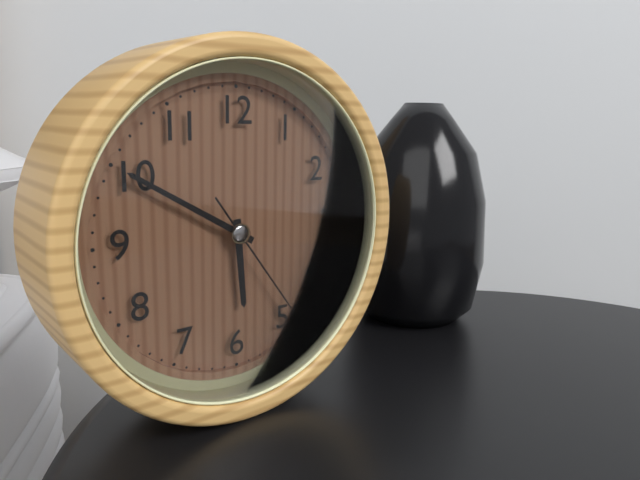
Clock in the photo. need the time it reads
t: 5:50:24
